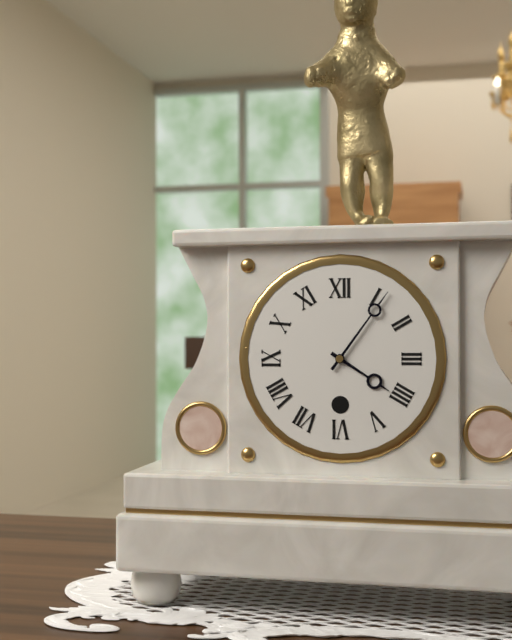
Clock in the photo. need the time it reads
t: 4:06
